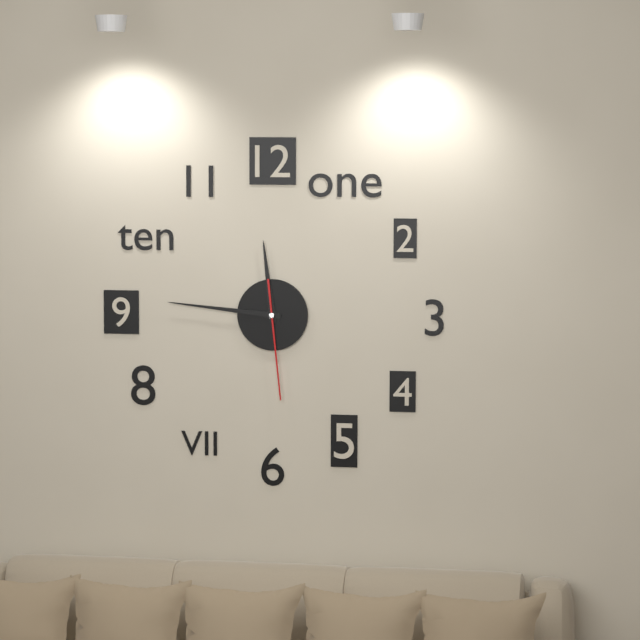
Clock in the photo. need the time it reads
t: 11:46:29
